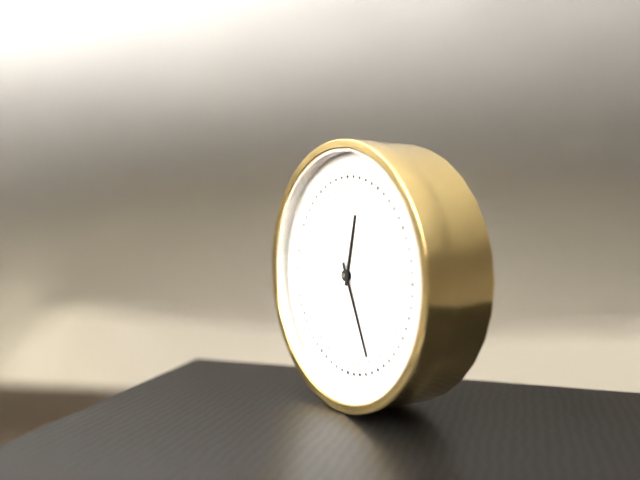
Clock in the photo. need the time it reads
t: 12:26
